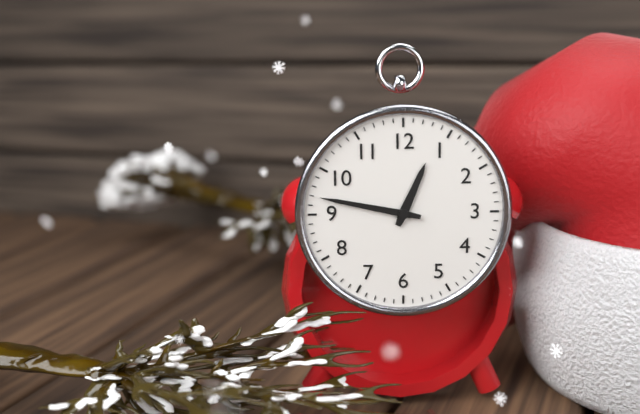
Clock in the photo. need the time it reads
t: 12:47
